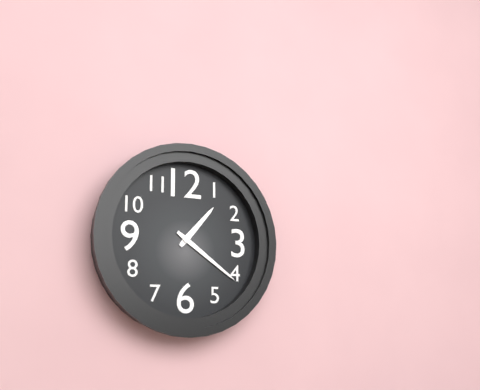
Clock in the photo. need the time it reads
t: 1:21
